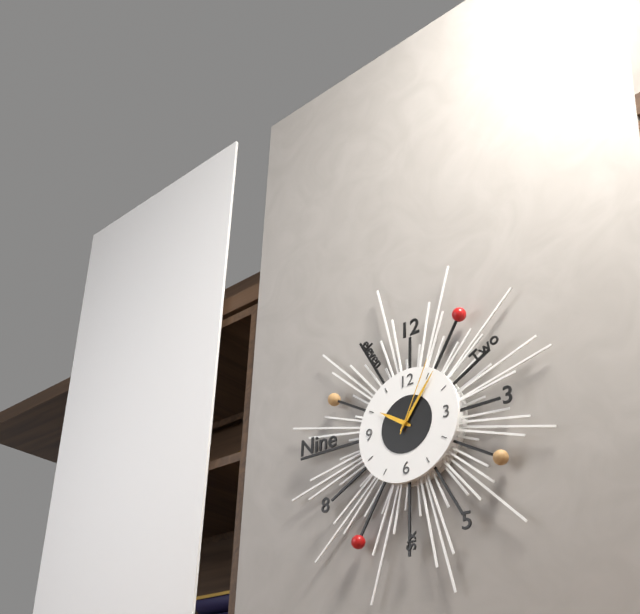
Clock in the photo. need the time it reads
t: 10:06:04
